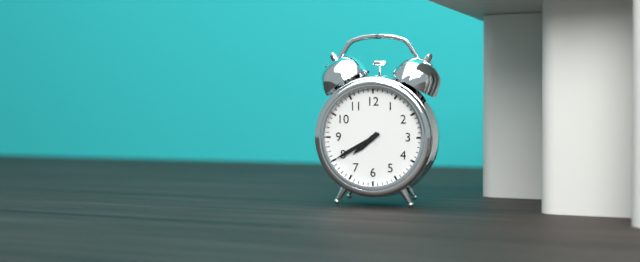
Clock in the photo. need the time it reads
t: 7:40
